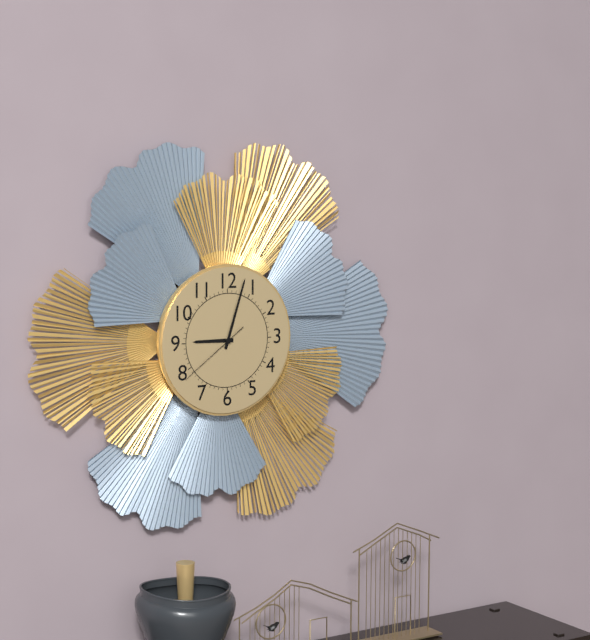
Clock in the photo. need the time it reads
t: 9:03:39
